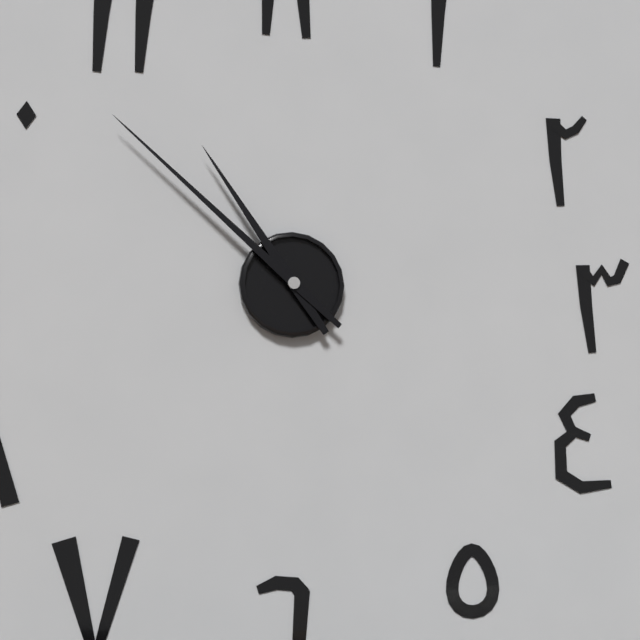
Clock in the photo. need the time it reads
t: 10:52
